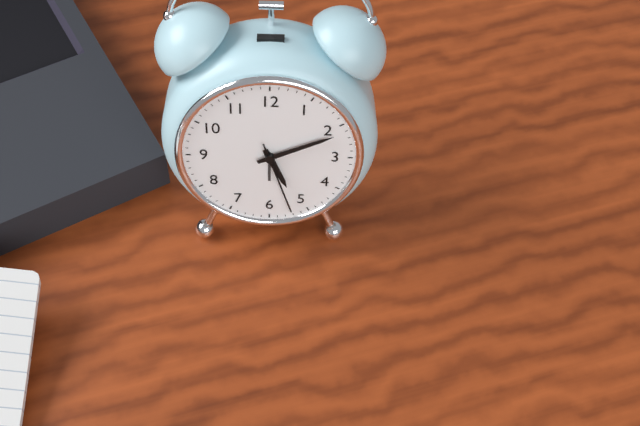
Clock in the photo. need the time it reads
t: 5:11:27
